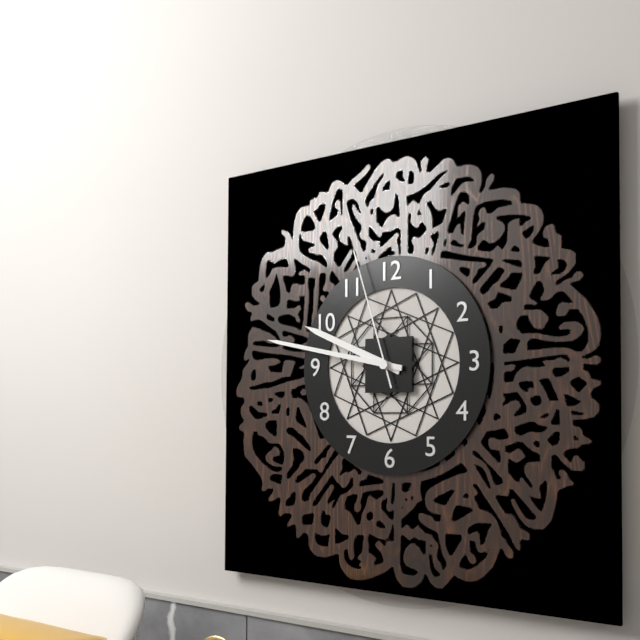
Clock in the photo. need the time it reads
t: 9:47:57
